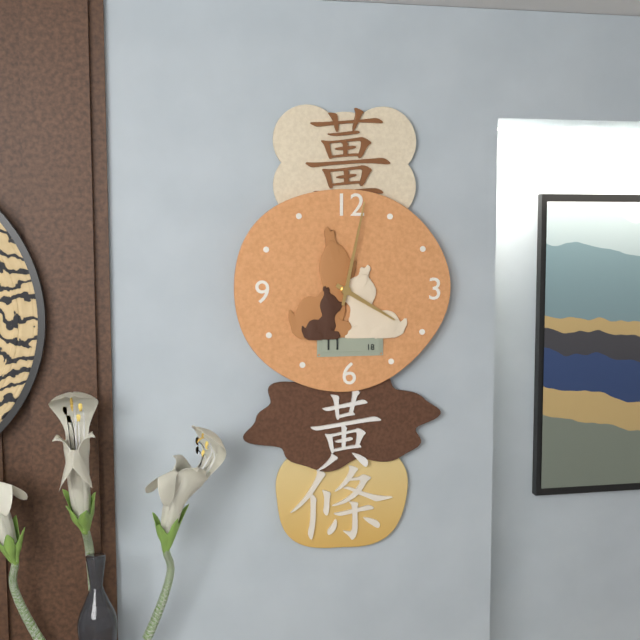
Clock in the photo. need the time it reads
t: 4:02
